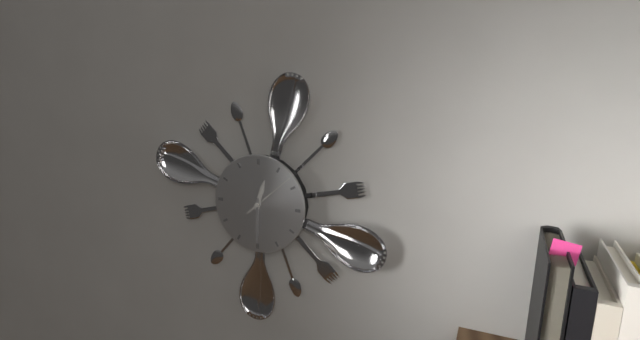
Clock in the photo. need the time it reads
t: 12:30:08
